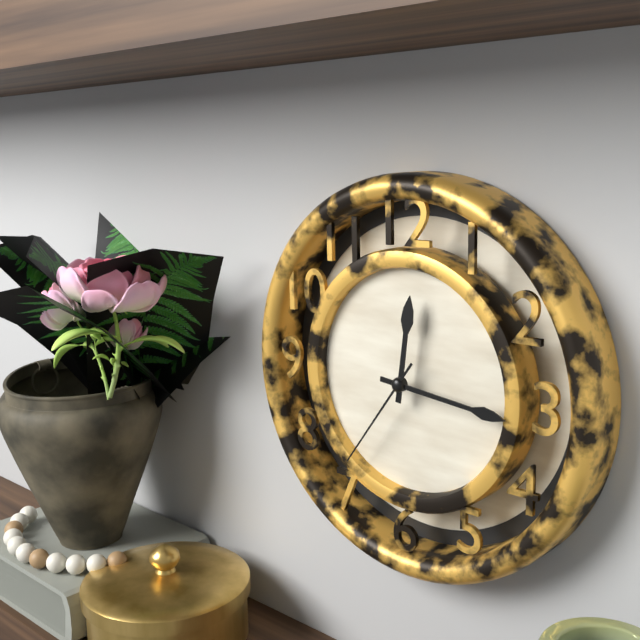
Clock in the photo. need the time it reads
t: 12:16:36
